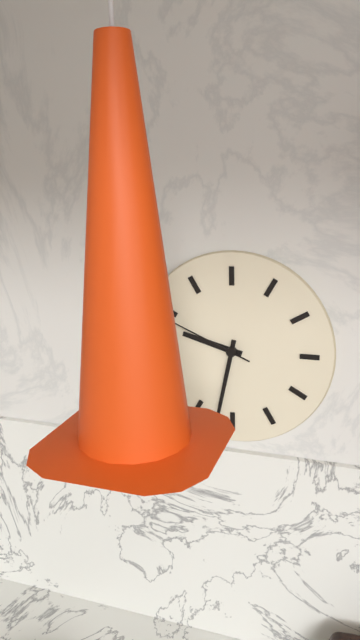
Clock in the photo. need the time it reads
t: 9:32:49
